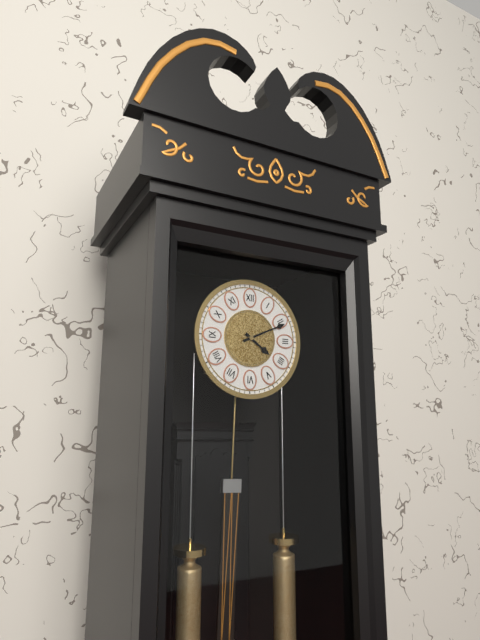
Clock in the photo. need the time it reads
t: 4:11
